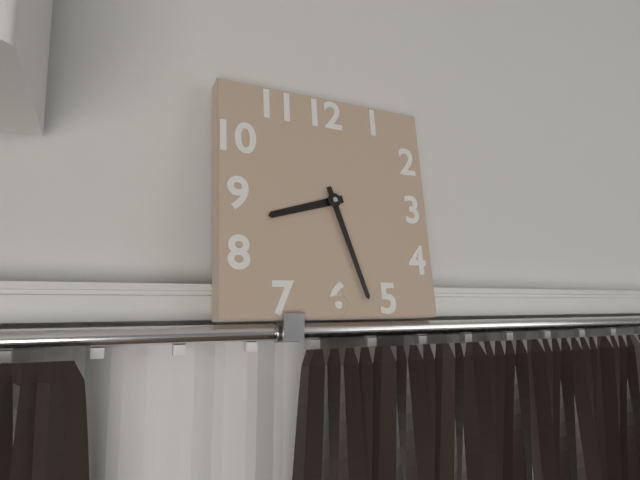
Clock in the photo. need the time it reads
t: 8:27
